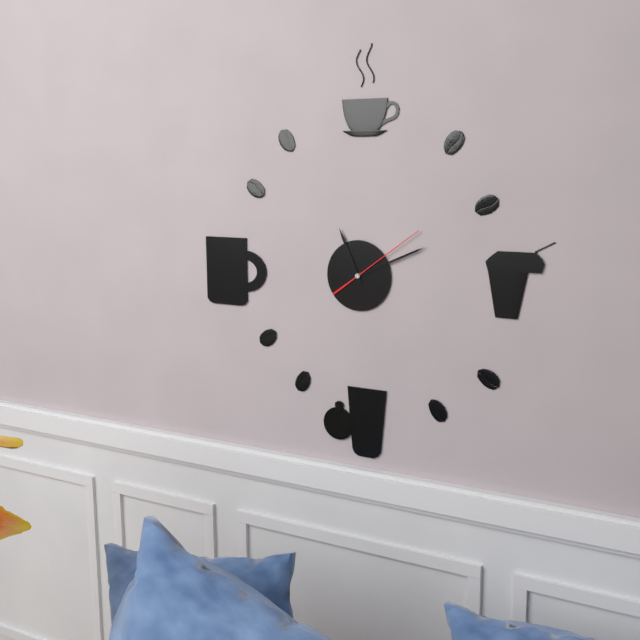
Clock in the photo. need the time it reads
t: 11:11:09
